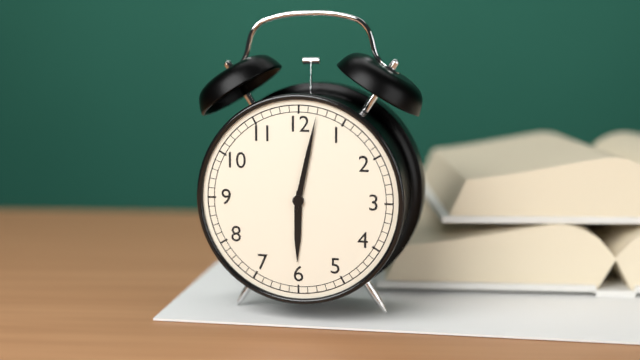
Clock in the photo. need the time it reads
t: 6:02
